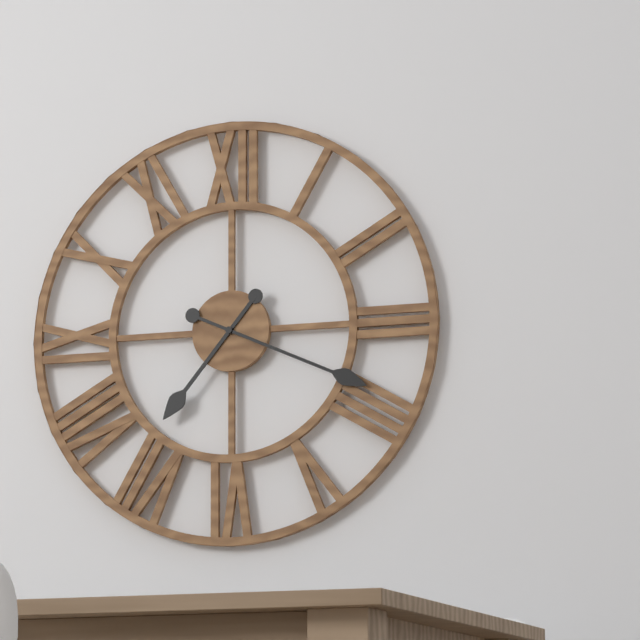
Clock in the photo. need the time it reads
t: 7:19
